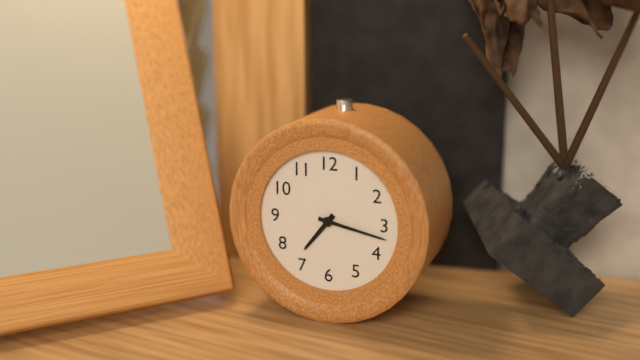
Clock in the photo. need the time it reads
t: 7:17
